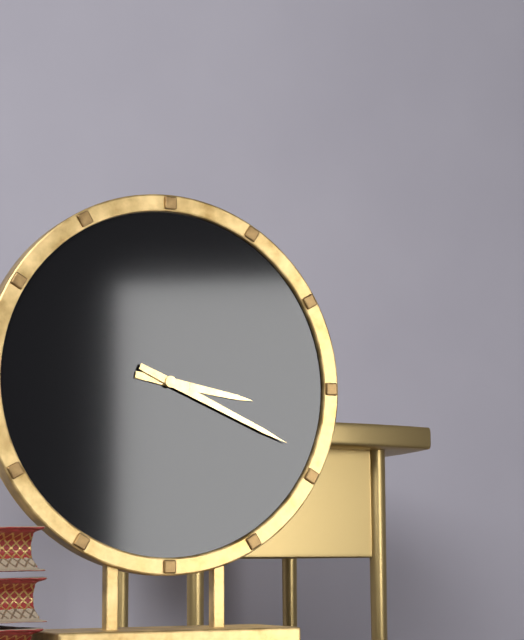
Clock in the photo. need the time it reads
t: 3:19
